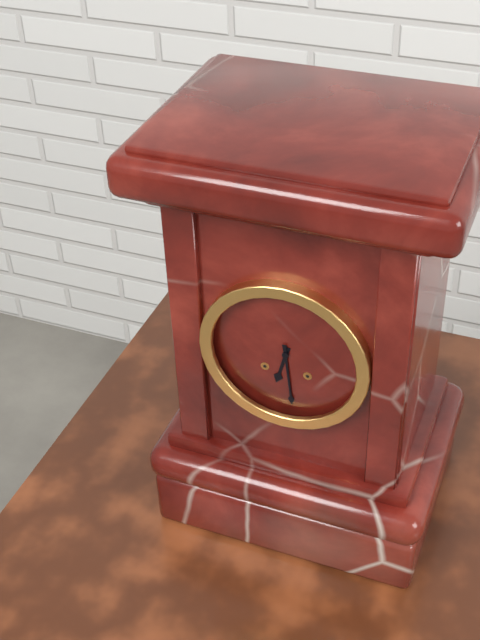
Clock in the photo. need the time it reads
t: 6:29
